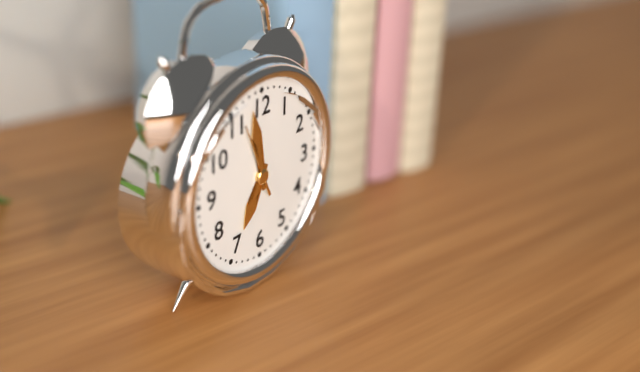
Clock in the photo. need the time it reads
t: 6:58:56
